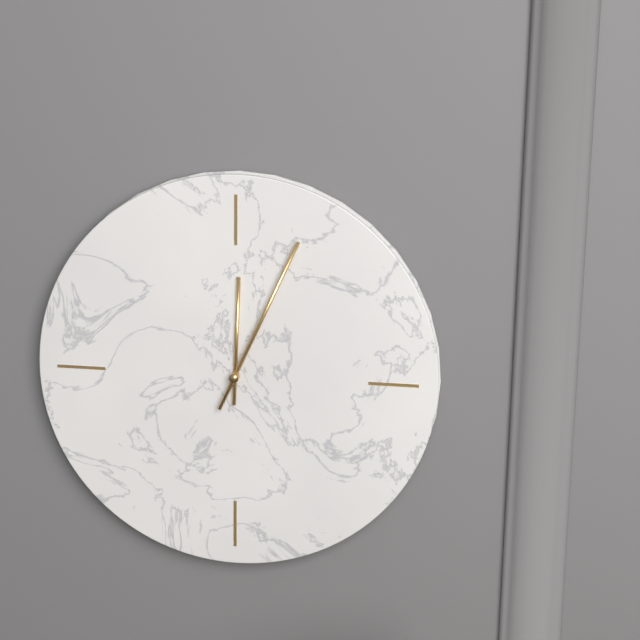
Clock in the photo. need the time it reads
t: 12:04
